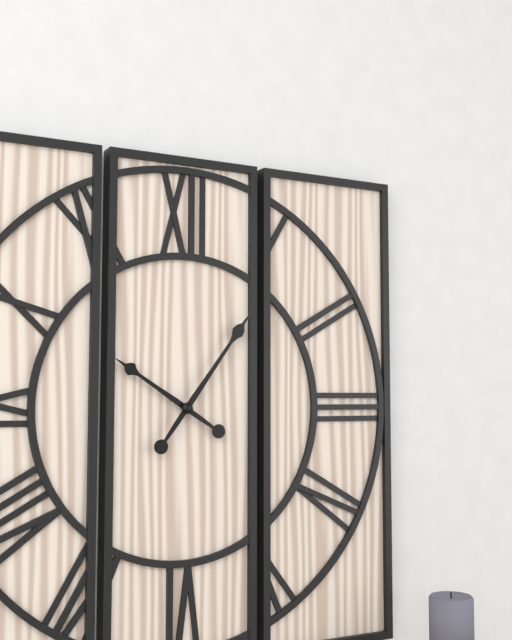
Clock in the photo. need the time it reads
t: 10:06
